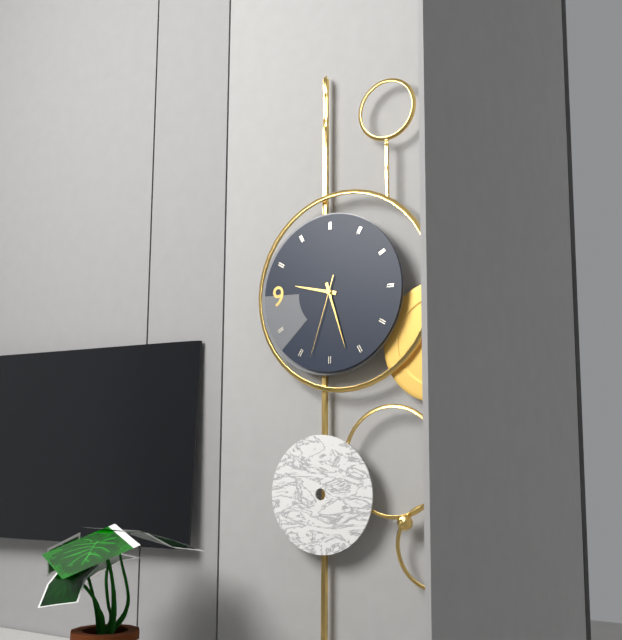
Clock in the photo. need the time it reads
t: 9:27:33
